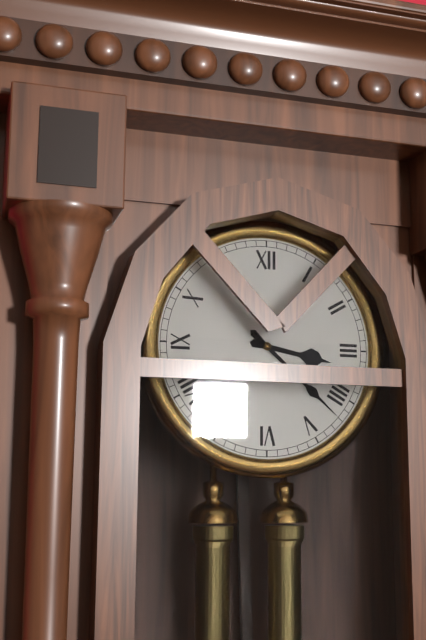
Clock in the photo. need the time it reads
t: 3:22
